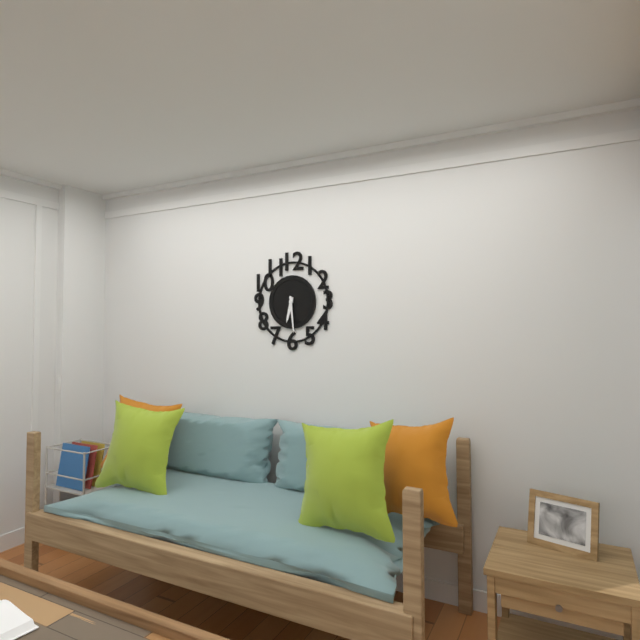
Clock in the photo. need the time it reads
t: 6:29
